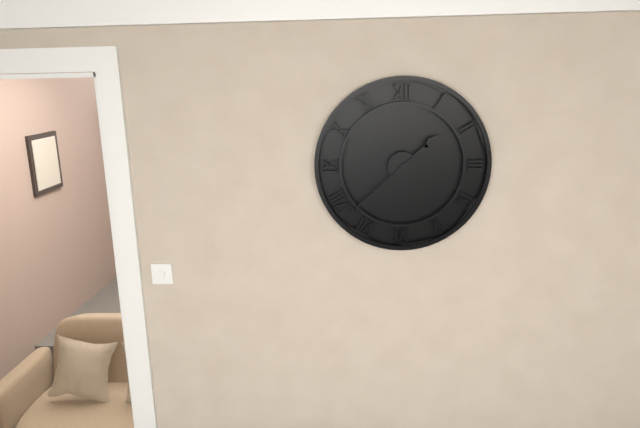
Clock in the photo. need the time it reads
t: 1:38
